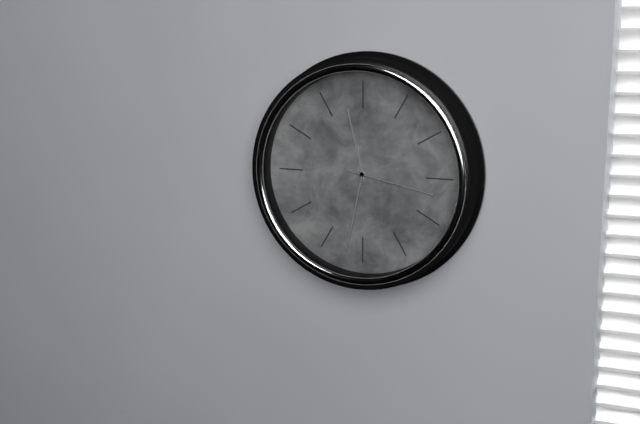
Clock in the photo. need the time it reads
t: 11:32:17
